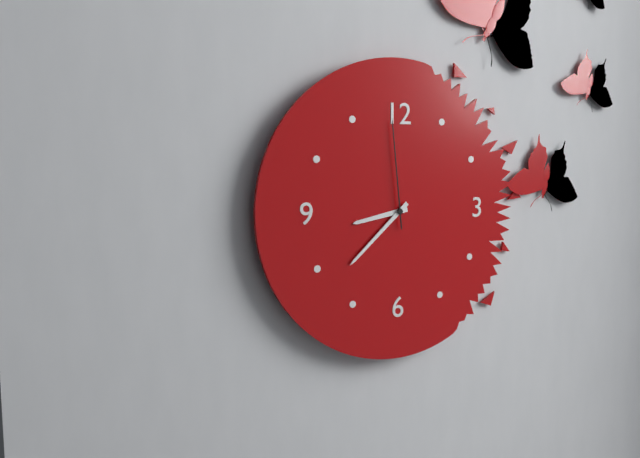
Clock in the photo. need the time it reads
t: 8:38:59
